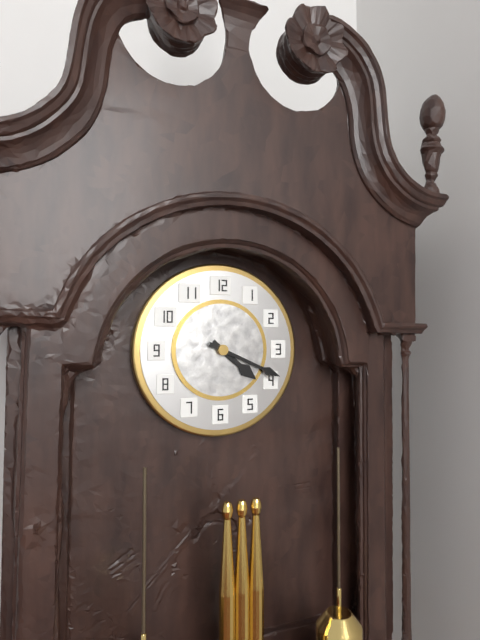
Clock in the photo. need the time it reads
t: 4:19
